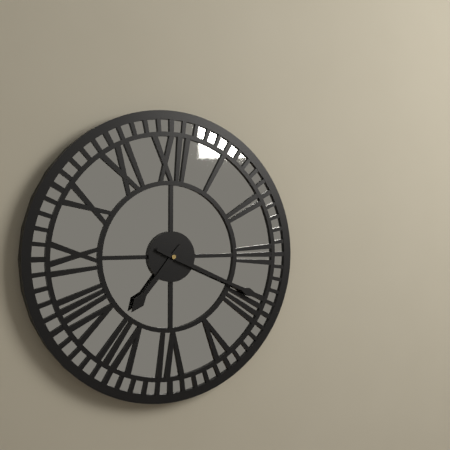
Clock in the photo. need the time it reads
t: 7:19
